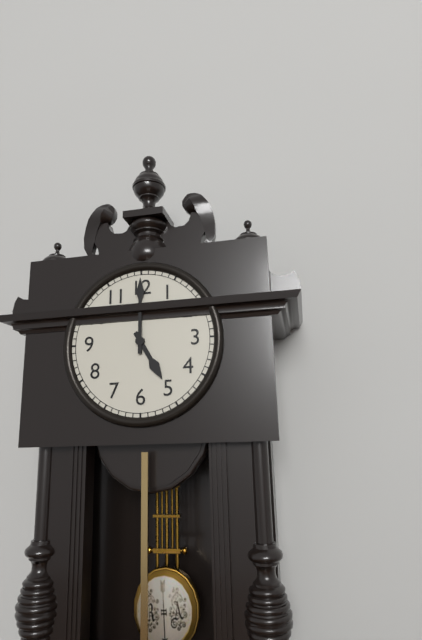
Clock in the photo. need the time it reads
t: 5:00
